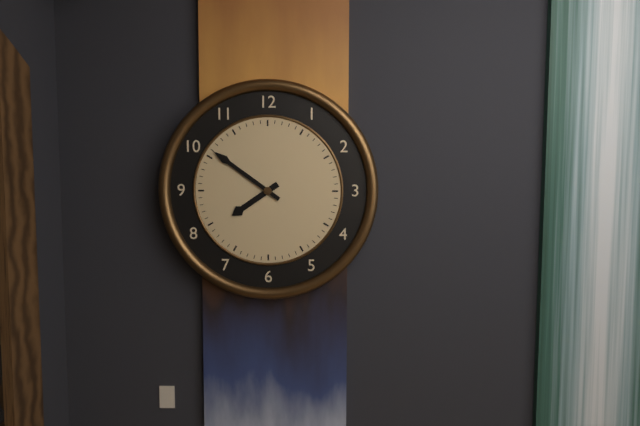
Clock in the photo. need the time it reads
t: 7:51
